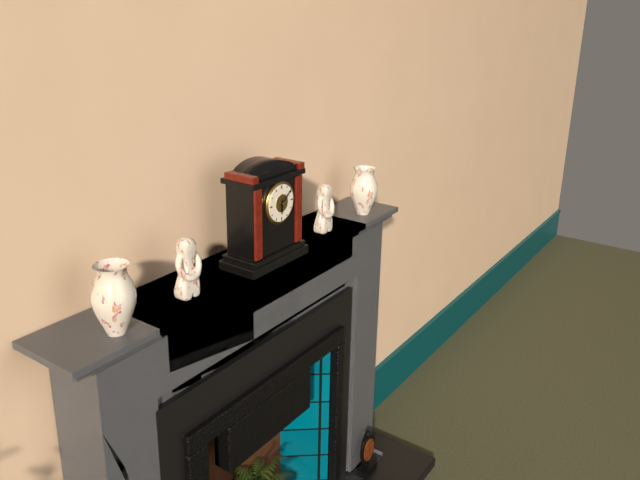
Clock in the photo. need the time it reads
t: 6:08
